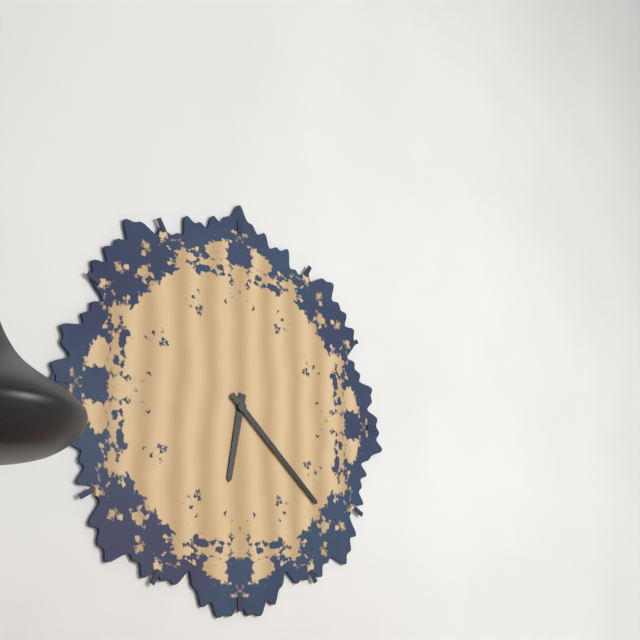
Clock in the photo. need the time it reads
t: 6:22
